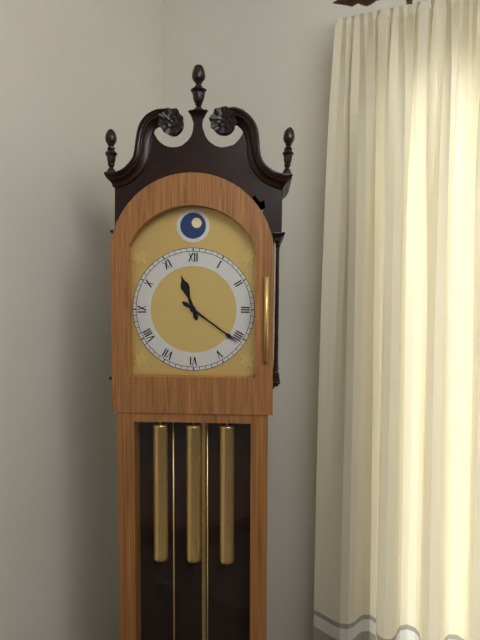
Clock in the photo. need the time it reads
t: 11:21
